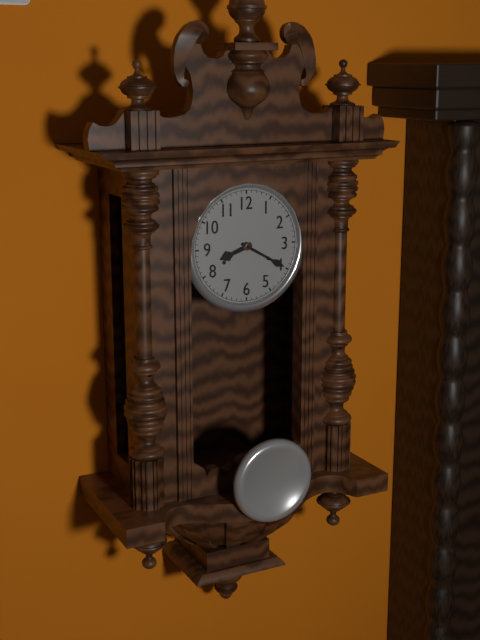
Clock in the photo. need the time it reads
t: 8:20
